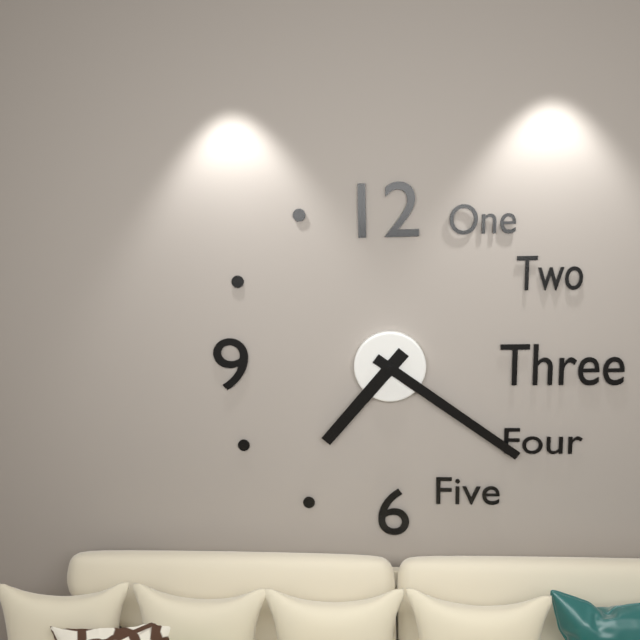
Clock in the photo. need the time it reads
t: 7:21
